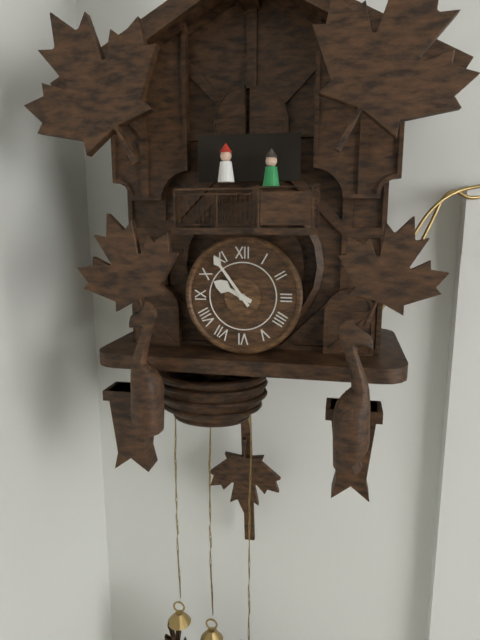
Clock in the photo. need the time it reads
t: 9:54
